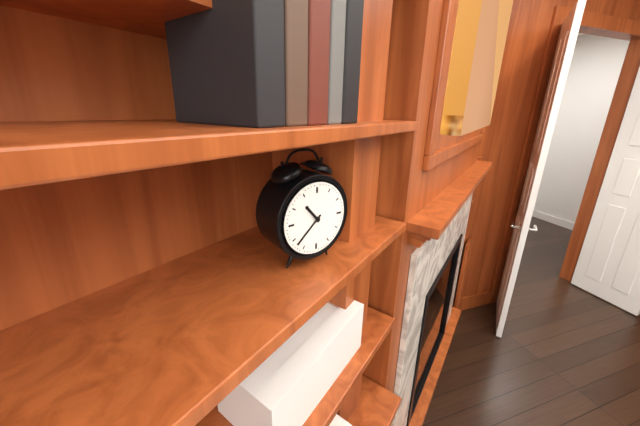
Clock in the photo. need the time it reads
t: 10:38
